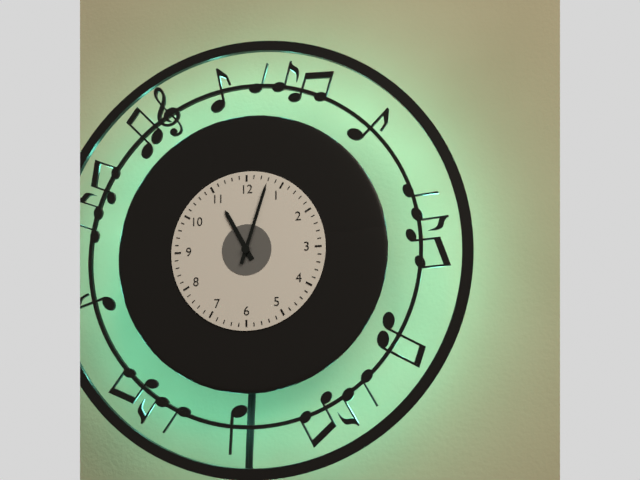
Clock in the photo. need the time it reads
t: 11:03
